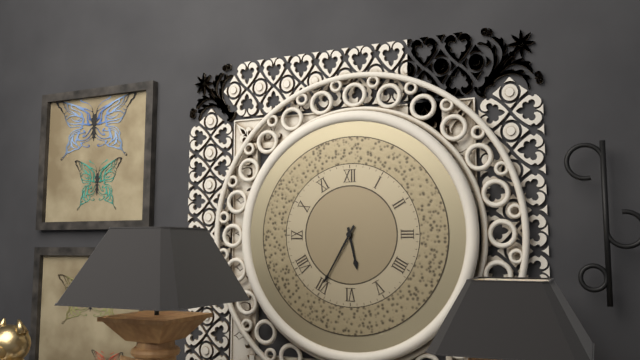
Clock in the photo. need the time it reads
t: 5:35
